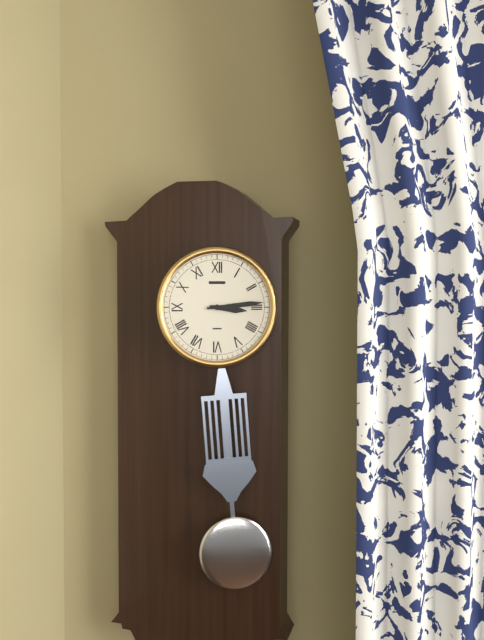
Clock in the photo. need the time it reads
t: 3:14
